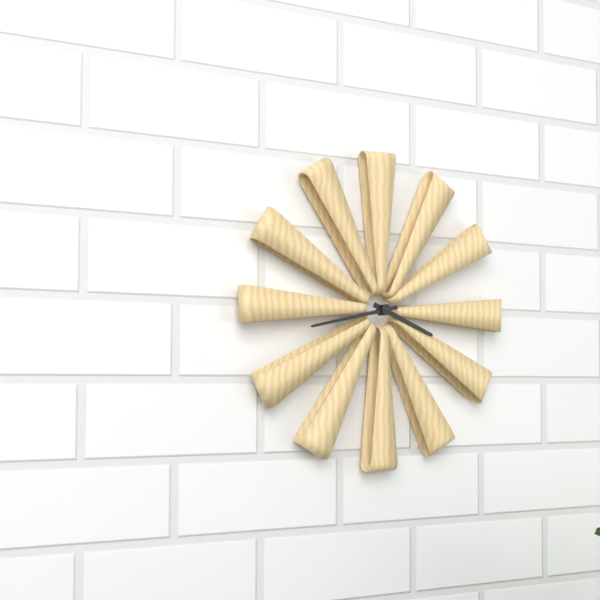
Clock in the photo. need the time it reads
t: 3:43
